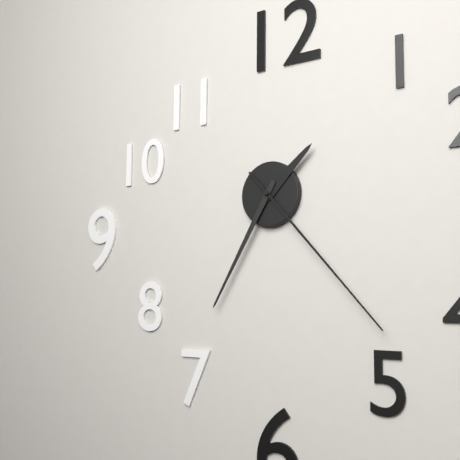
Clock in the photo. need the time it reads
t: 1:35:23
